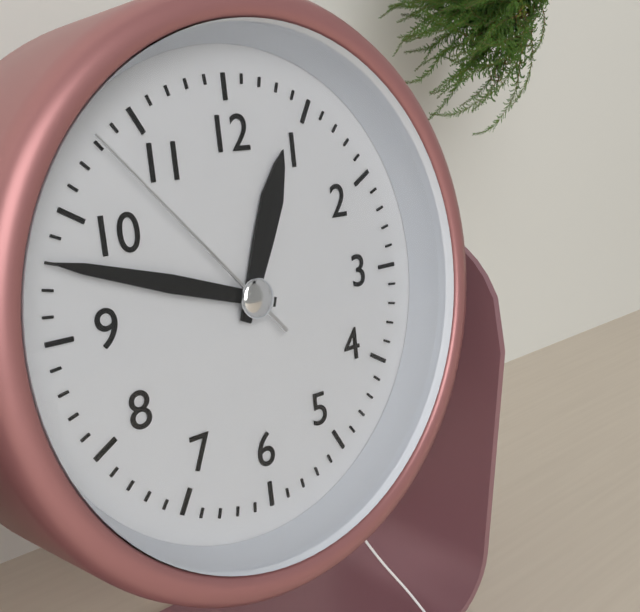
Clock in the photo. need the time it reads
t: 12:48:53
